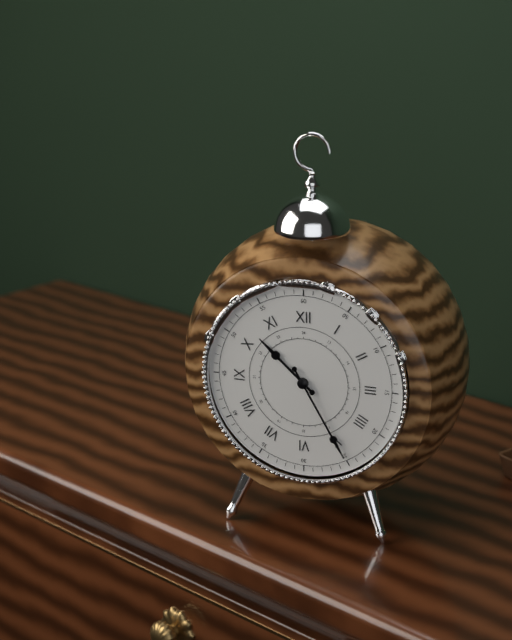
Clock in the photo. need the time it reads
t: 10:25
